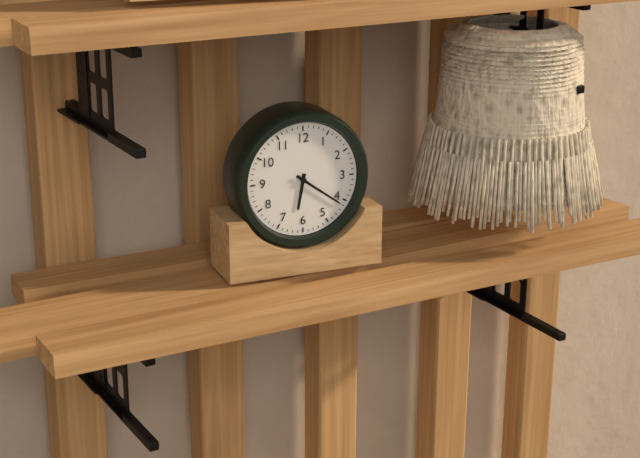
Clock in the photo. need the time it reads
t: 6:21
